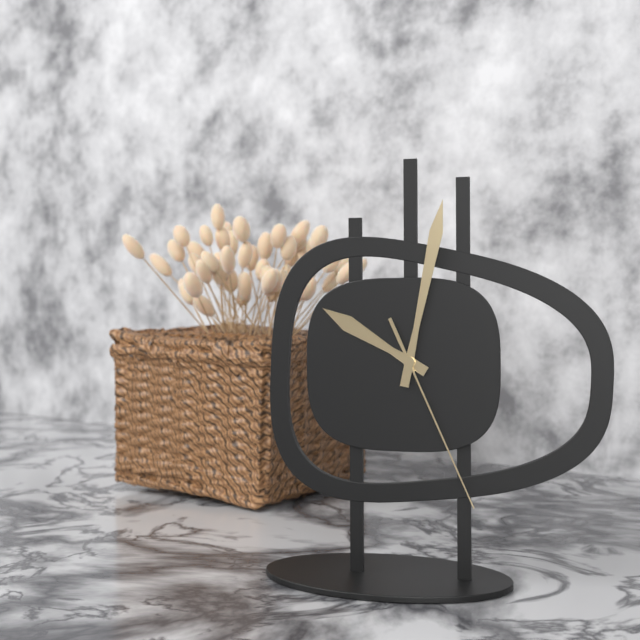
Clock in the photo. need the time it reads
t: 10:02:26
